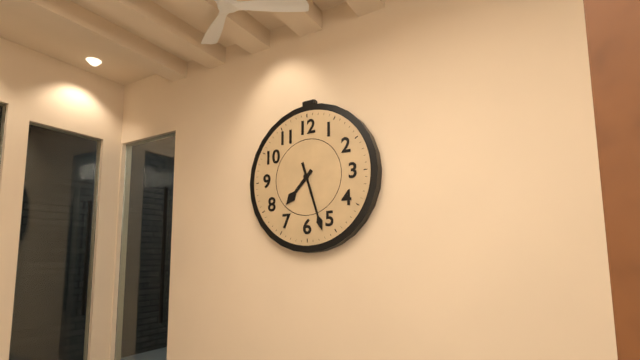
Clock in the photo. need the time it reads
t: 7:27
